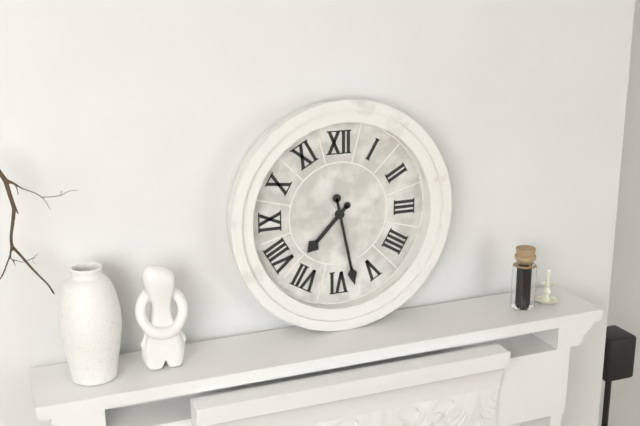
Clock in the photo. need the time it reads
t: 7:28
